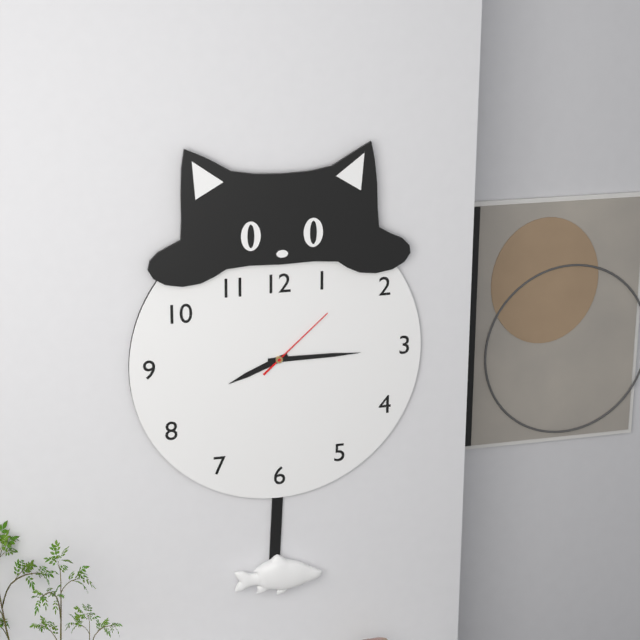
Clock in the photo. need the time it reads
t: 8:15:08
